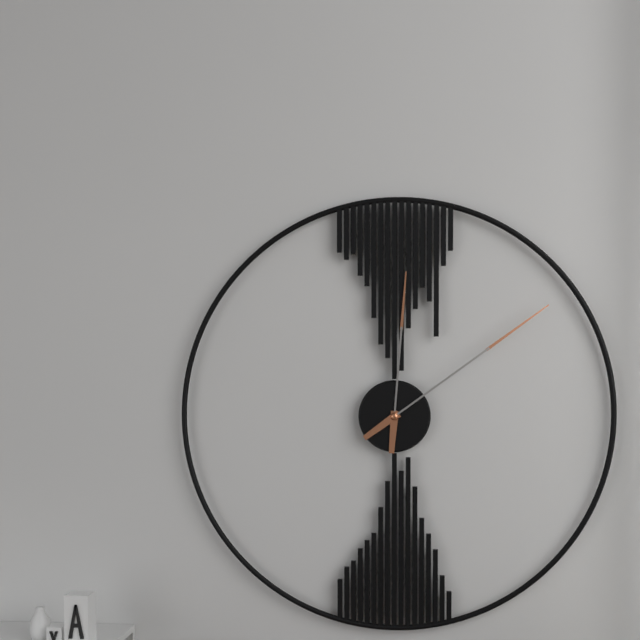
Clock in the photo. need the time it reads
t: 12:09
